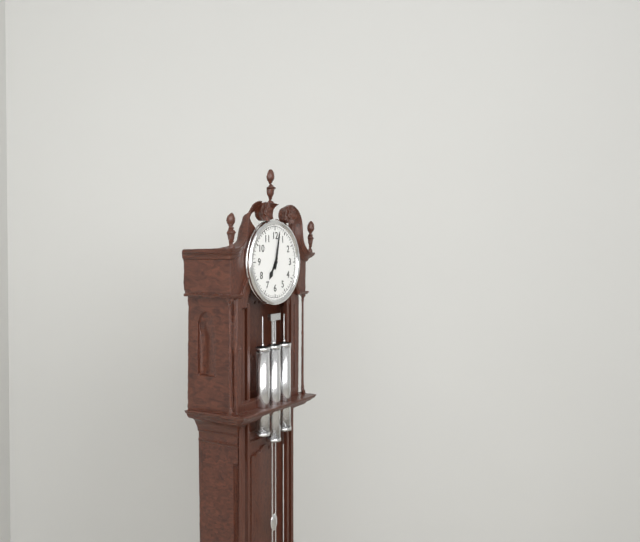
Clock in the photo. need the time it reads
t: 7:02
